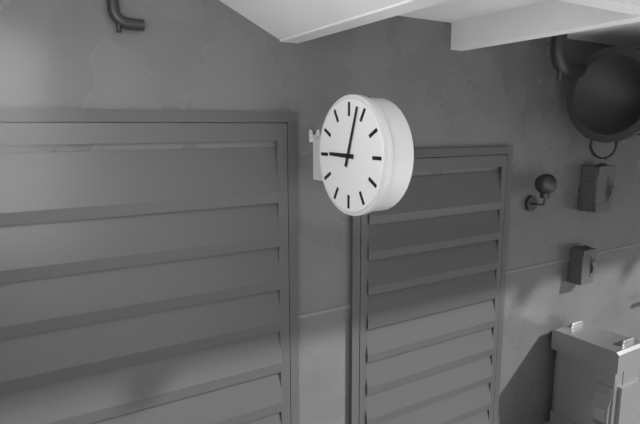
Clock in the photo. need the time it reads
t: 9:03
